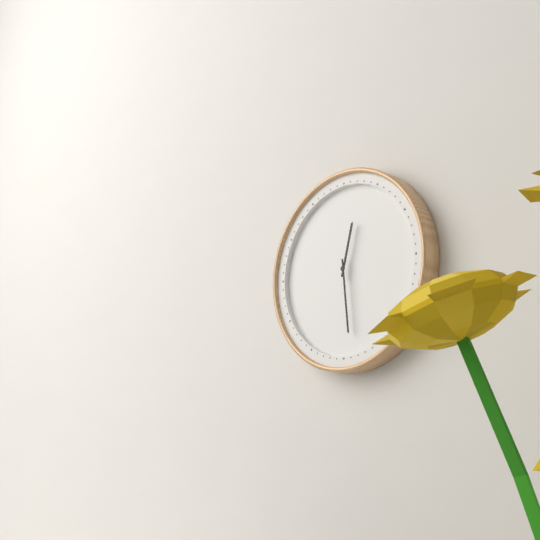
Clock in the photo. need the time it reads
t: 12:29
